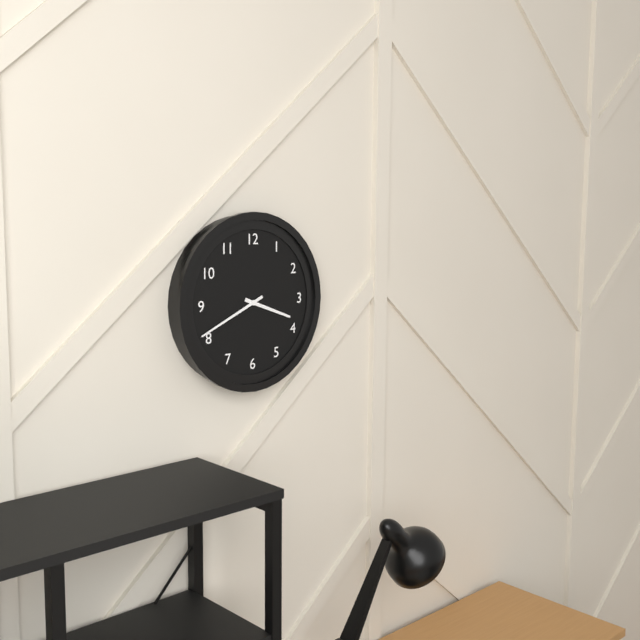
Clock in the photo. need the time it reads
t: 3:41
